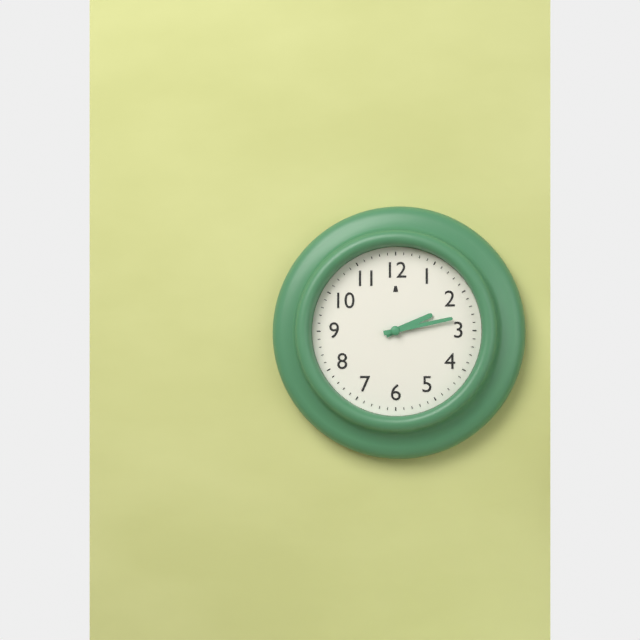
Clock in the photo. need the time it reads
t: 2:13
